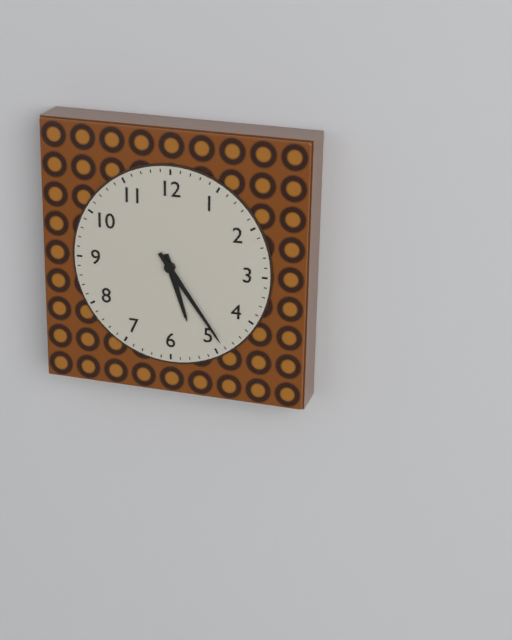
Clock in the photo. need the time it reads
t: 5:24
